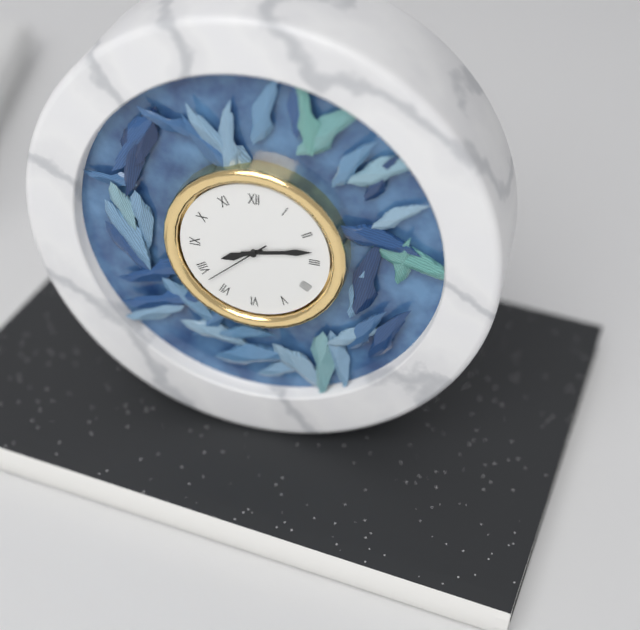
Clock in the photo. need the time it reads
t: 8:13:38
